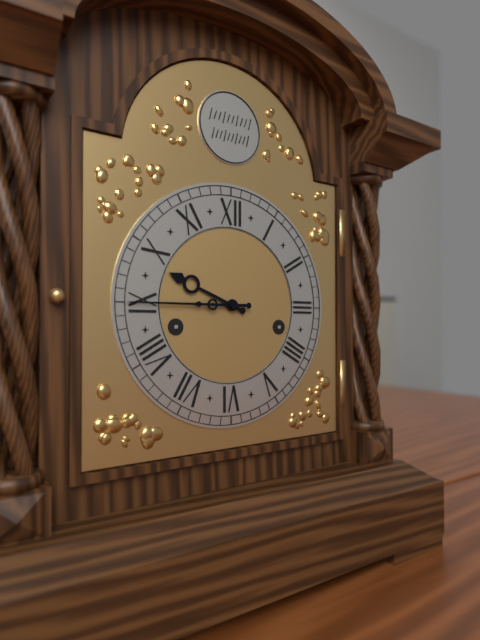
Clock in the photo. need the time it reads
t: 9:45
